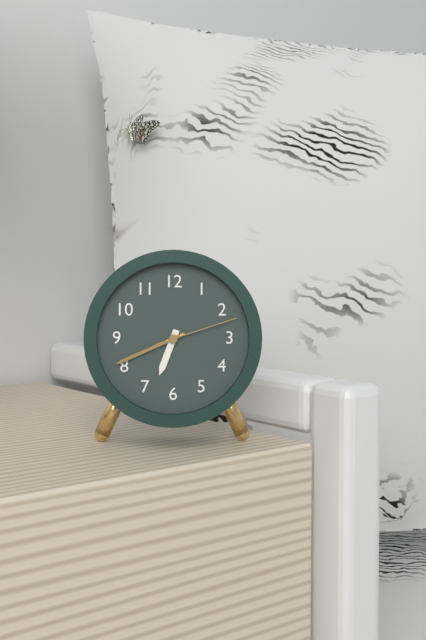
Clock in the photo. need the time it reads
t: 6:41:12
